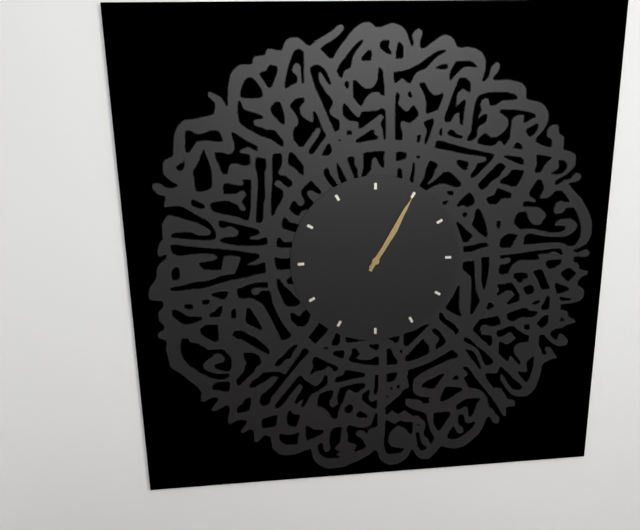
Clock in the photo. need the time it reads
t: 1:05
